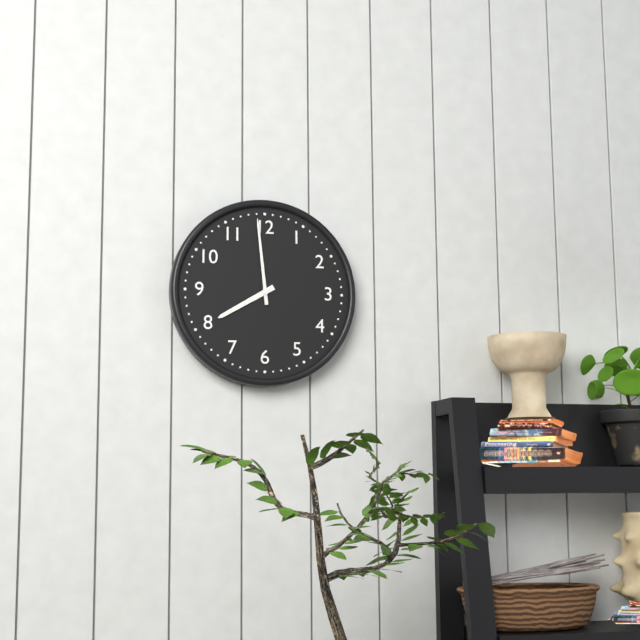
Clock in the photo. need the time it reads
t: 7:59
